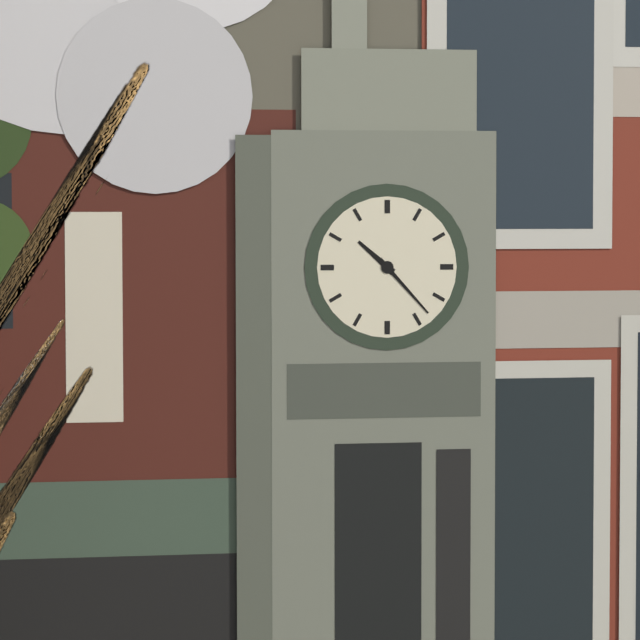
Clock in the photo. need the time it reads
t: 10:23
